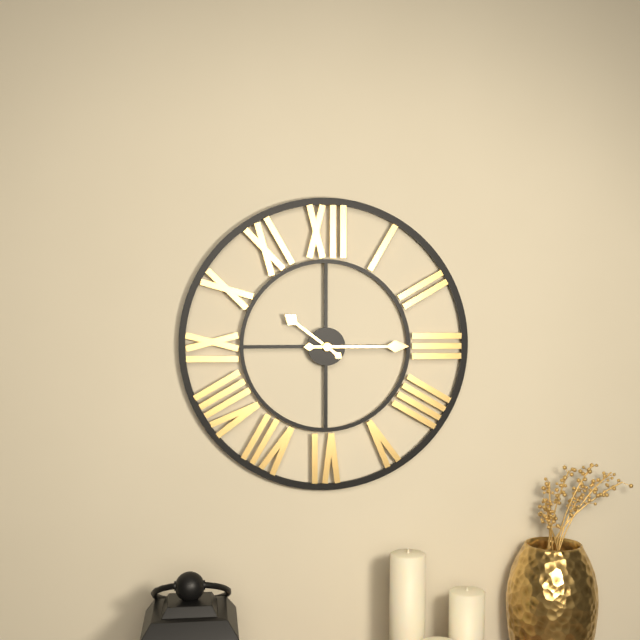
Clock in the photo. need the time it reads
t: 10:15
